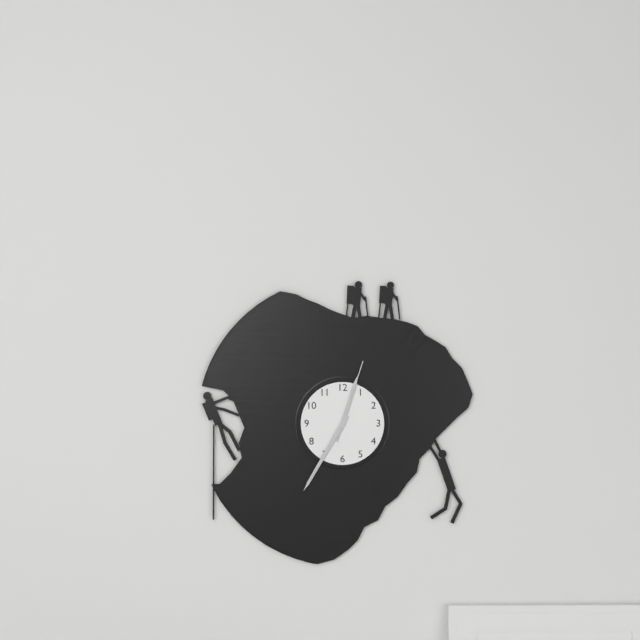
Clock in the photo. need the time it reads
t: 12:35:03
